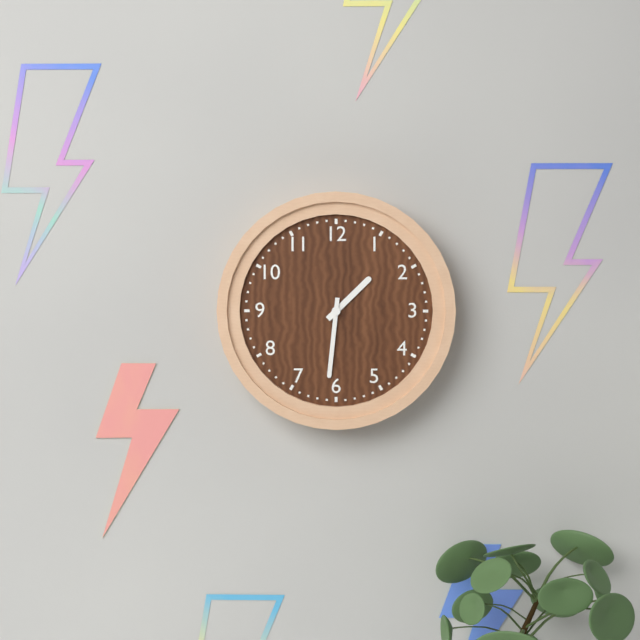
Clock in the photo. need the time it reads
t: 1:31
